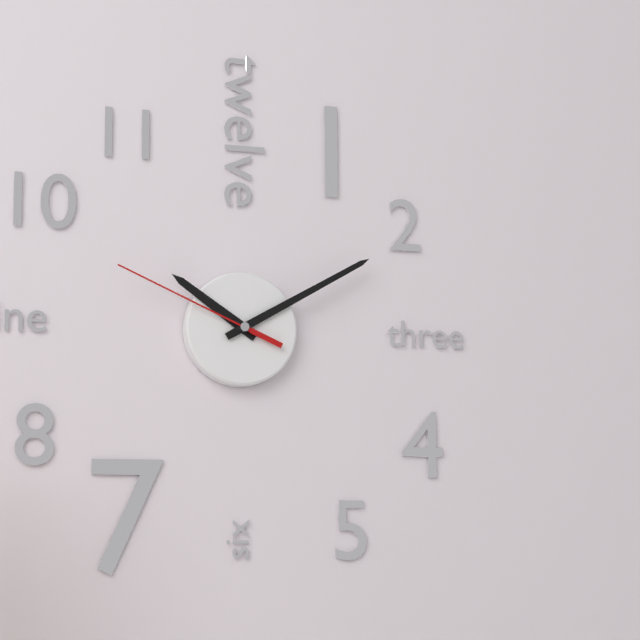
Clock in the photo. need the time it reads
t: 10:10:49
